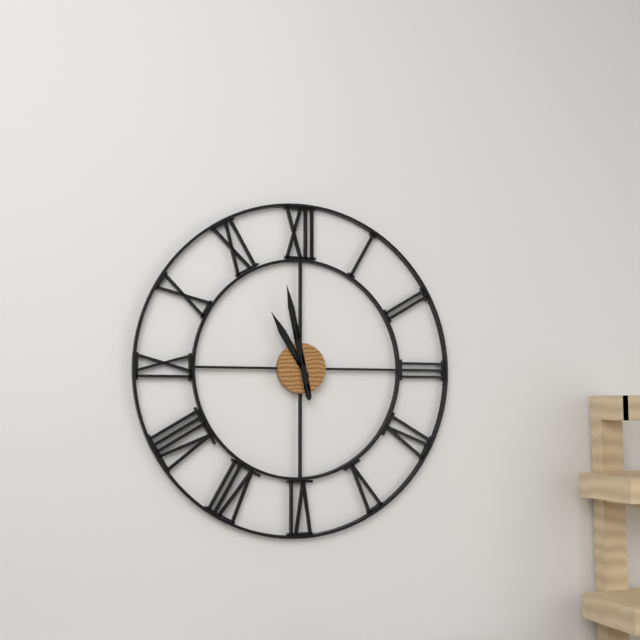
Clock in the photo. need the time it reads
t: 10:58
